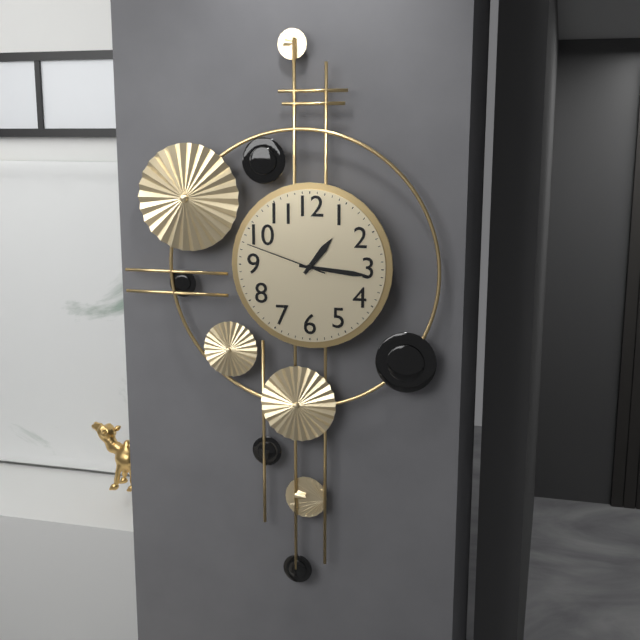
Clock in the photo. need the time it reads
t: 1:16:48
